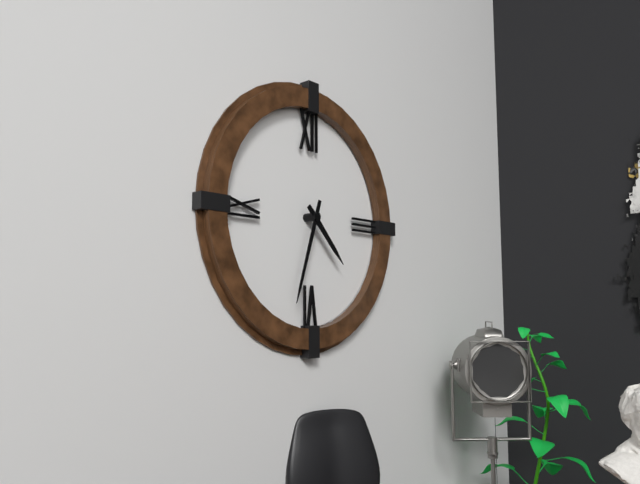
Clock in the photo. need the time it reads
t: 4:33
